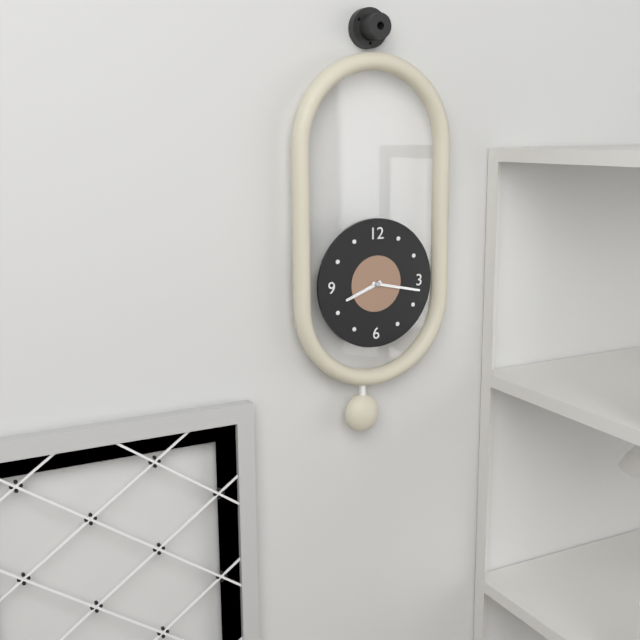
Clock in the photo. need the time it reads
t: 8:17
